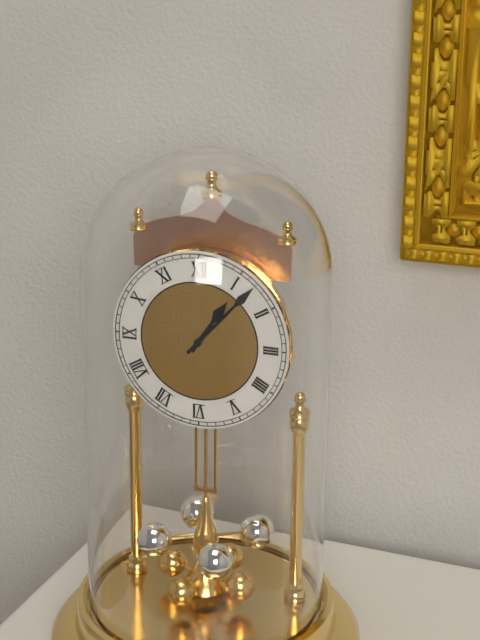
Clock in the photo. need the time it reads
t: 1:07
